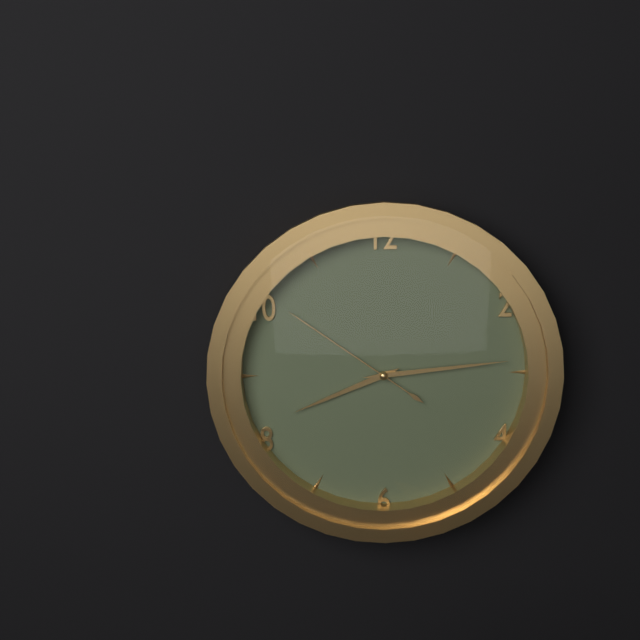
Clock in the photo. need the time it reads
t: 8:14:51
